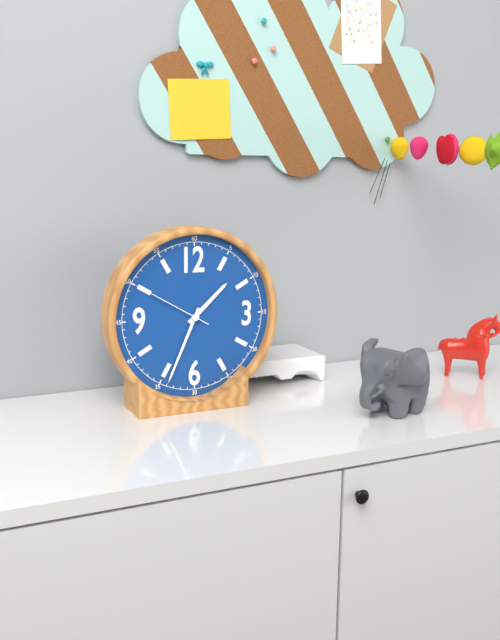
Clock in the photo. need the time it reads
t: 1:34:50
